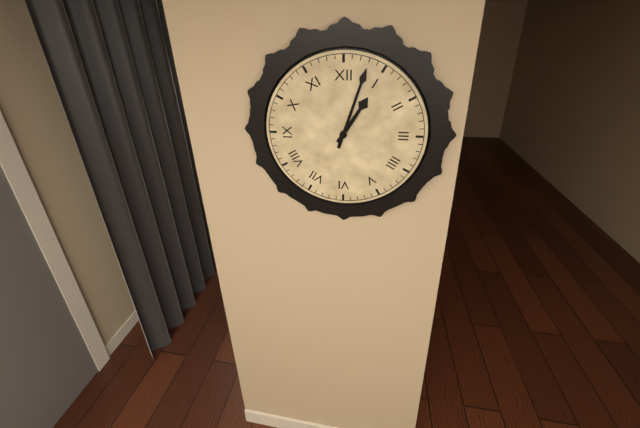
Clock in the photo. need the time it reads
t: 1:03
